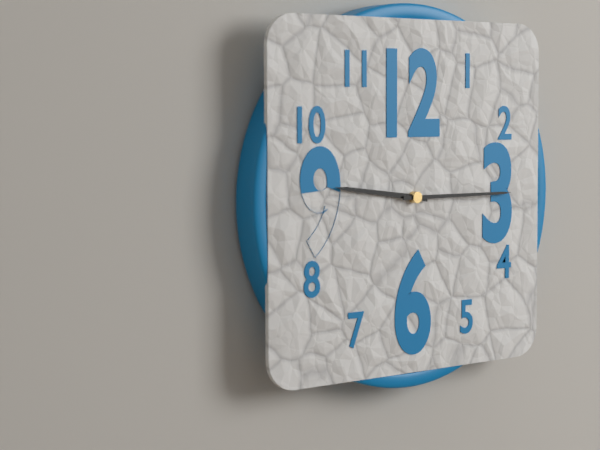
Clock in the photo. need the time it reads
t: 9:15
